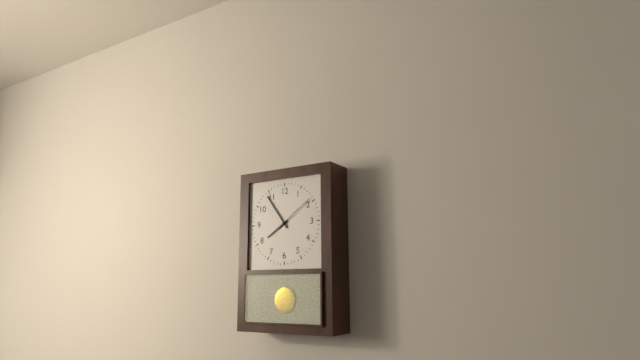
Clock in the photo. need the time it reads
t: 7:54
